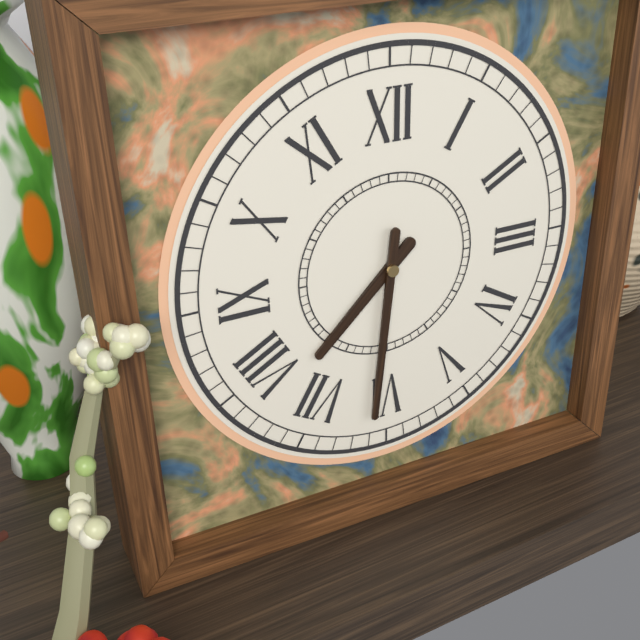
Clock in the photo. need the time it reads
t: 7:31
